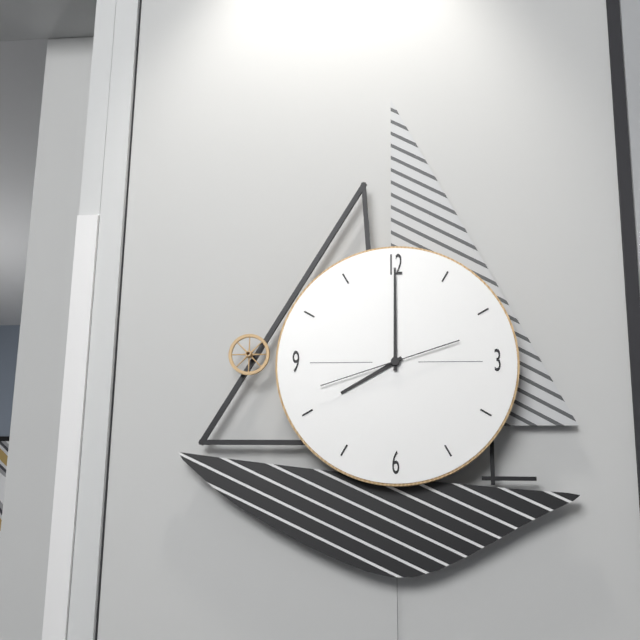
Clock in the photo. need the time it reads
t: 8:00:42
